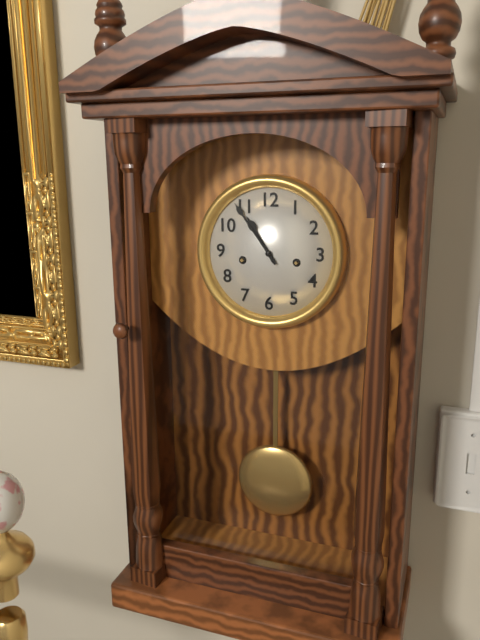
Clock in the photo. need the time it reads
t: 10:54
